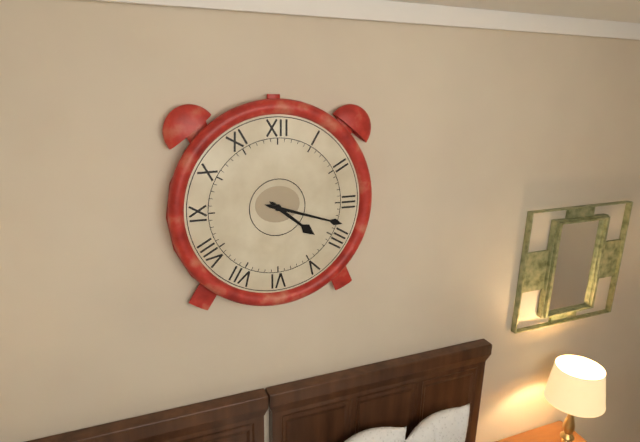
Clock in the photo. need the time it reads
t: 4:18
